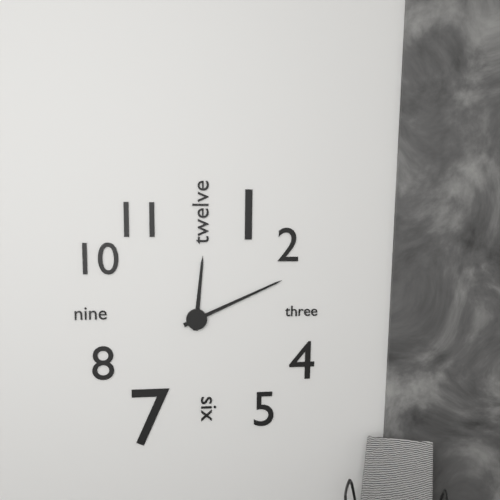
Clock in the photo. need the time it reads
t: 12:11
